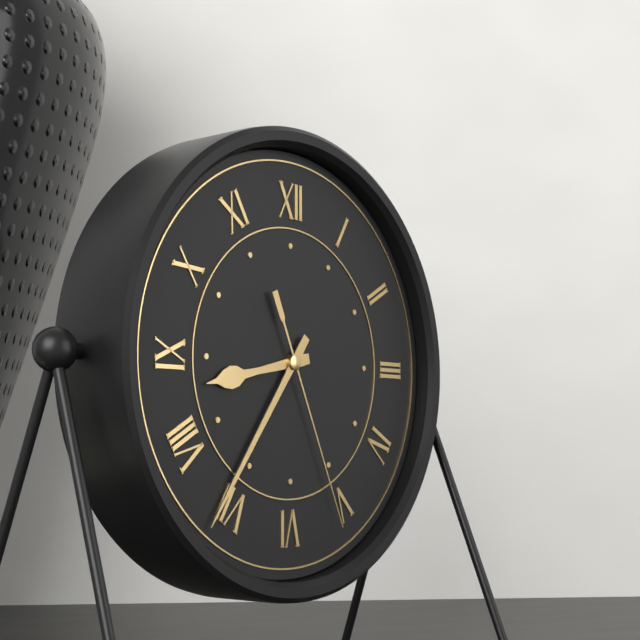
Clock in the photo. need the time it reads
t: 8:36:26
